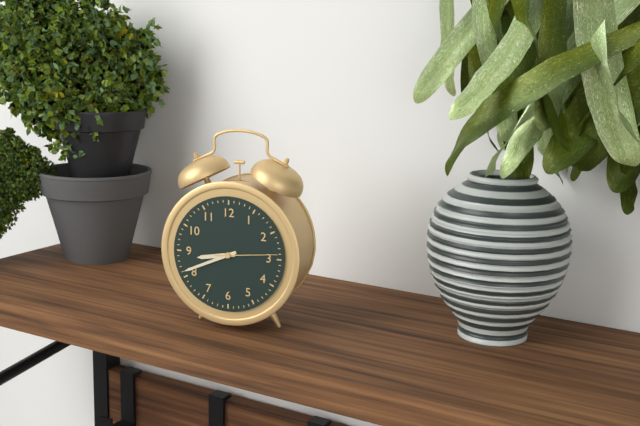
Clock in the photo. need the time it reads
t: 8:41:14
